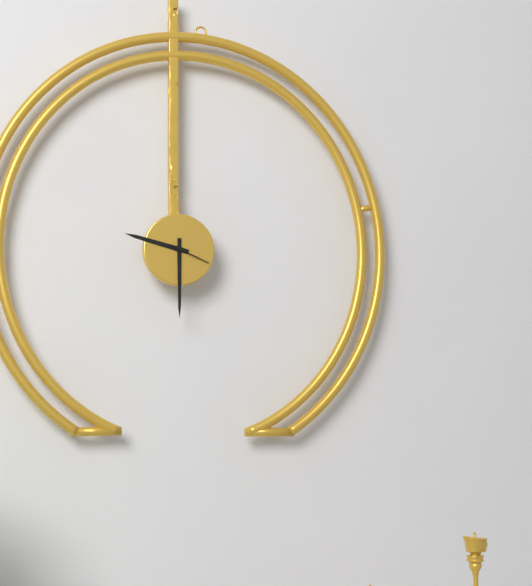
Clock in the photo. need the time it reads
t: 9:30
